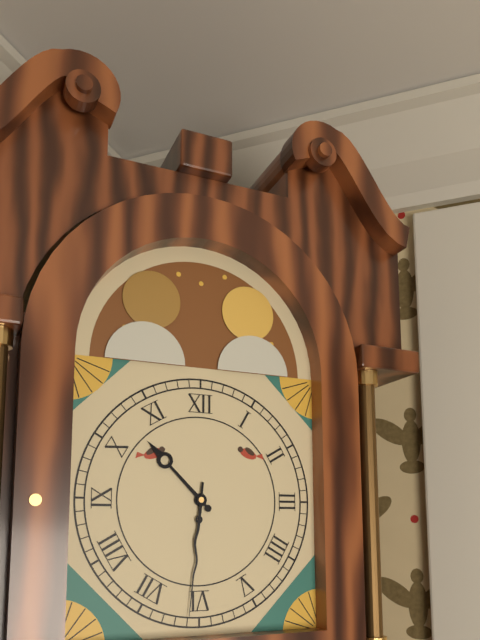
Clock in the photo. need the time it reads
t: 10:31
